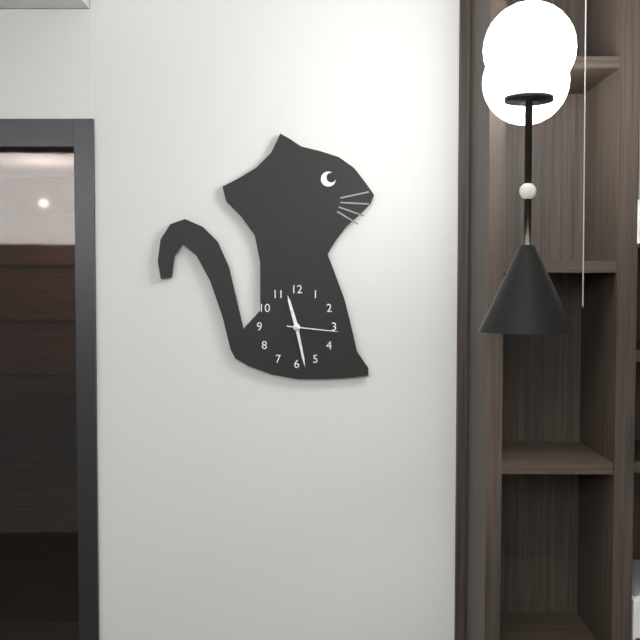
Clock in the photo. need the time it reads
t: 11:28:16
